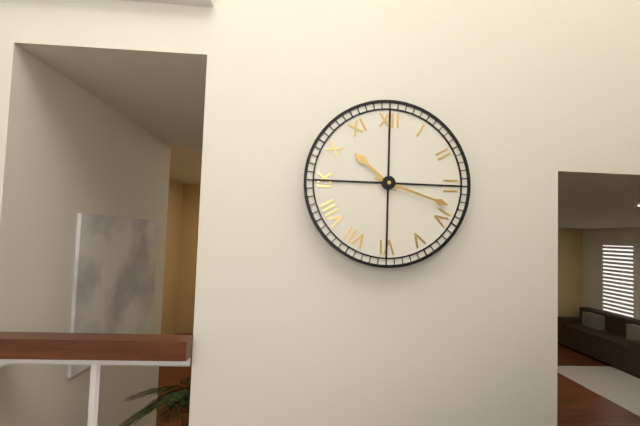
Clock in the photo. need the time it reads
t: 10:18
